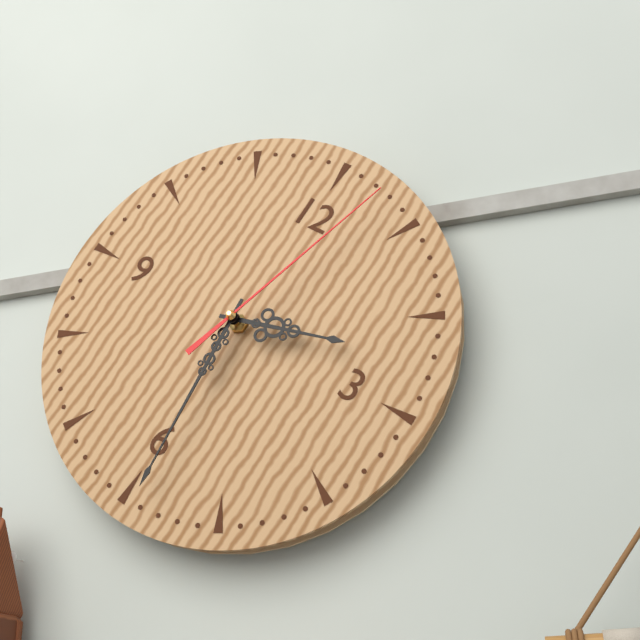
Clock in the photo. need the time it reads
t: 2:29:03
